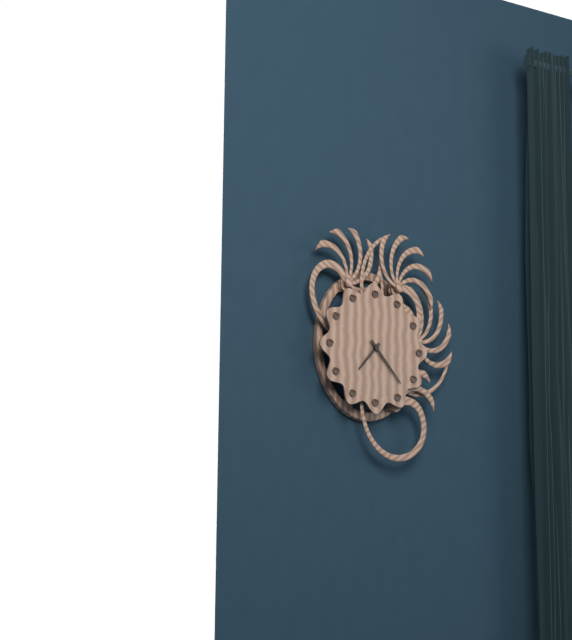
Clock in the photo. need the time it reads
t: 7:23
